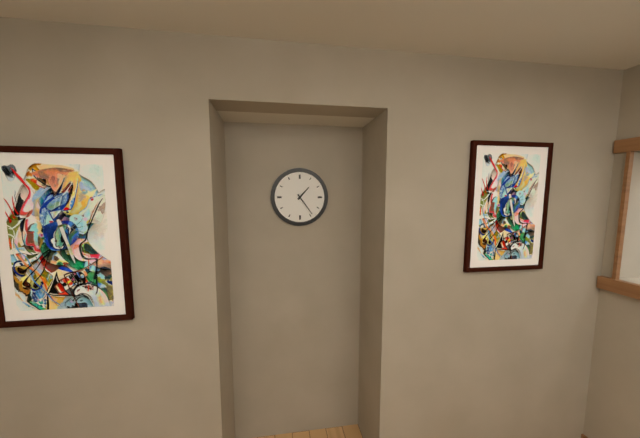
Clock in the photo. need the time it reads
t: 1:24
